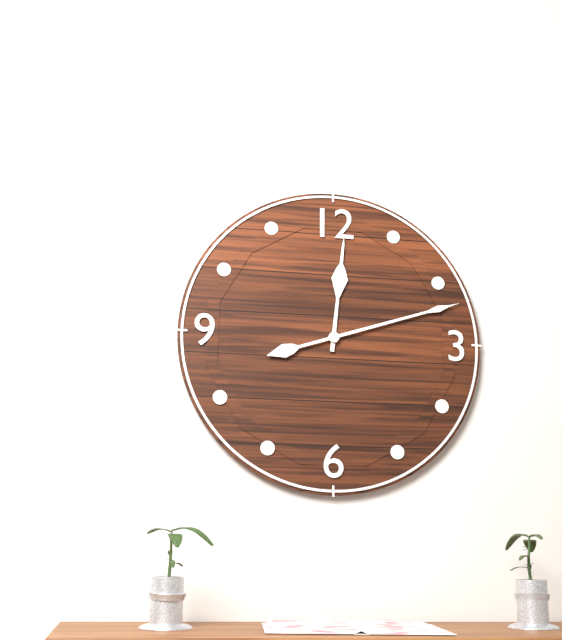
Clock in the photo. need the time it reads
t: 12:12
